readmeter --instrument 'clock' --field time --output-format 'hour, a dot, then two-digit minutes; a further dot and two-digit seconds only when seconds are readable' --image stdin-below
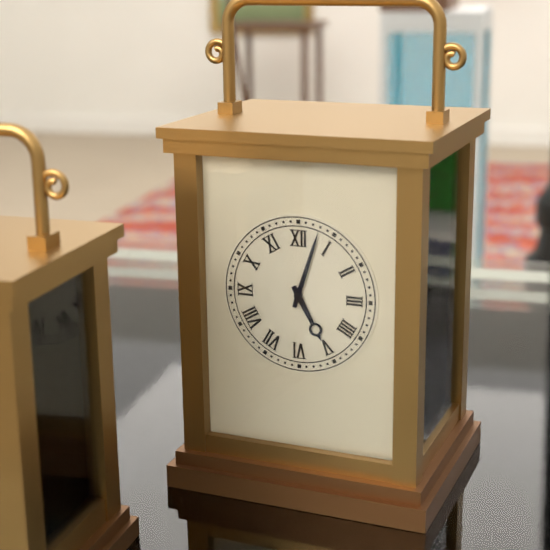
5.03
